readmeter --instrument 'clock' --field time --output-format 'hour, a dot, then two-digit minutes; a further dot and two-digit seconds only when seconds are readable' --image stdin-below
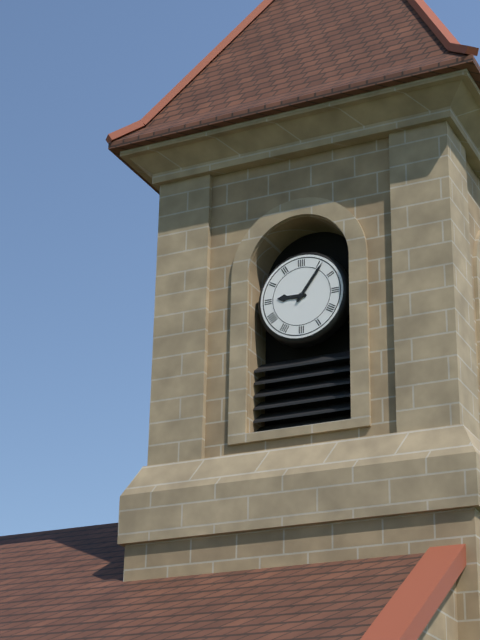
9.06
